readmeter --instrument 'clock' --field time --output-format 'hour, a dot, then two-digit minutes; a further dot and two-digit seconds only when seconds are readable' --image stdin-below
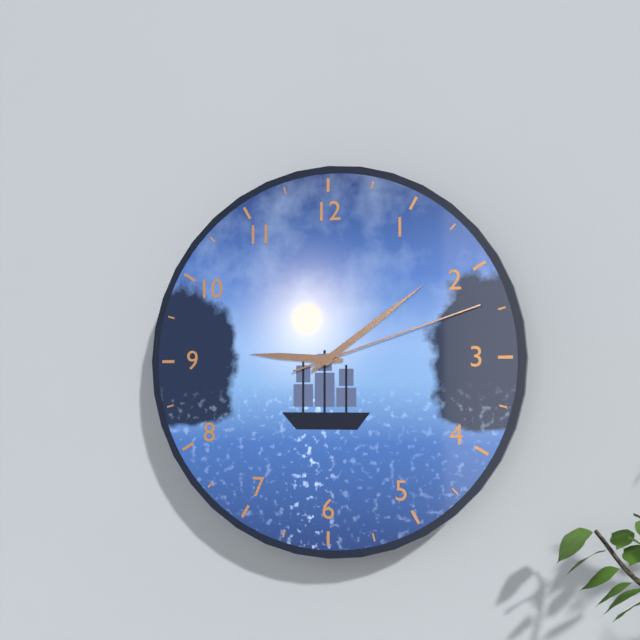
9.09.12
